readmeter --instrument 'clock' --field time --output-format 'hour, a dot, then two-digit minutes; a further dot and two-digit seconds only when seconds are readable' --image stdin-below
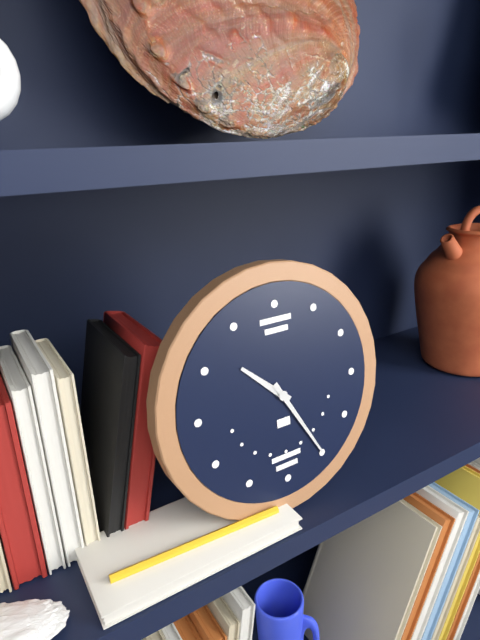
10.25
